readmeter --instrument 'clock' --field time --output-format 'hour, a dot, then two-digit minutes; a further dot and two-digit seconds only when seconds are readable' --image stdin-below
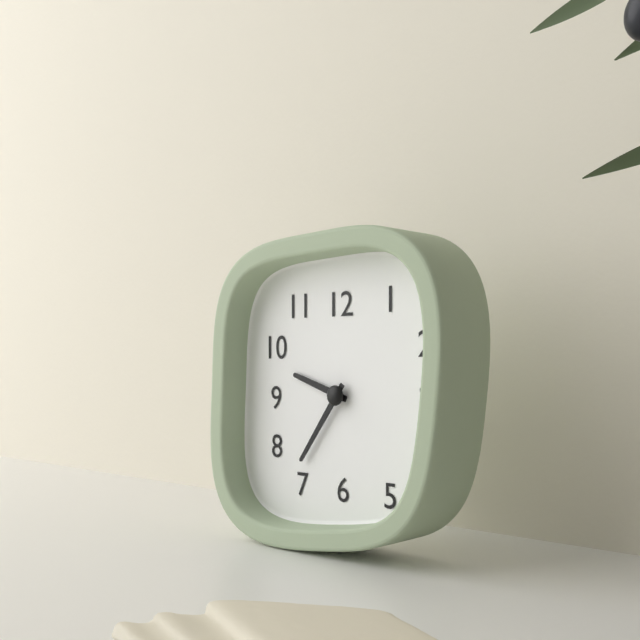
9.36
